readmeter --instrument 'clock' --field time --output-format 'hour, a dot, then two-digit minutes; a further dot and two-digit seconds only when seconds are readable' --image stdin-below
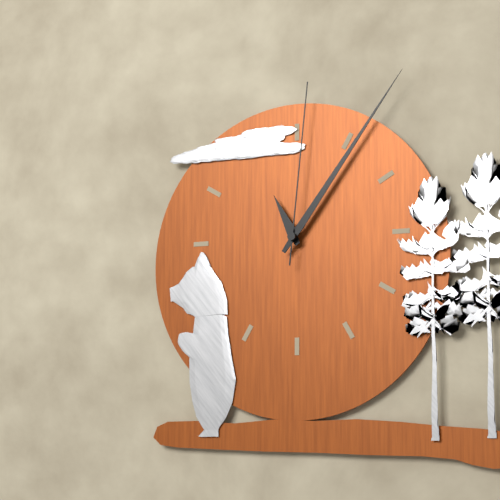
11.06.01
